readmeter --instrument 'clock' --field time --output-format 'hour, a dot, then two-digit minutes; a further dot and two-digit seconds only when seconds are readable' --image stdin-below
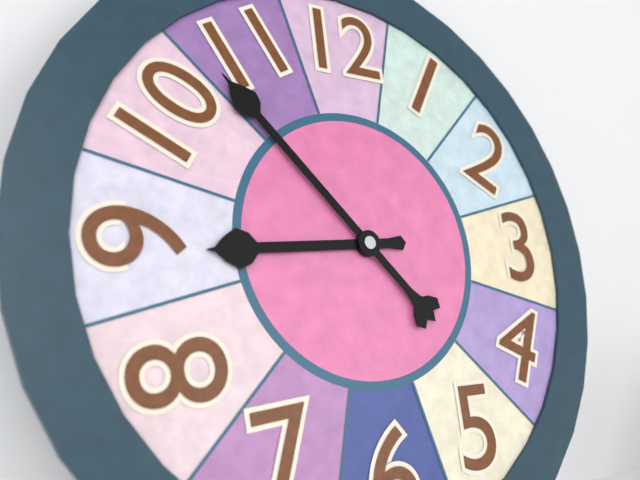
8.53
